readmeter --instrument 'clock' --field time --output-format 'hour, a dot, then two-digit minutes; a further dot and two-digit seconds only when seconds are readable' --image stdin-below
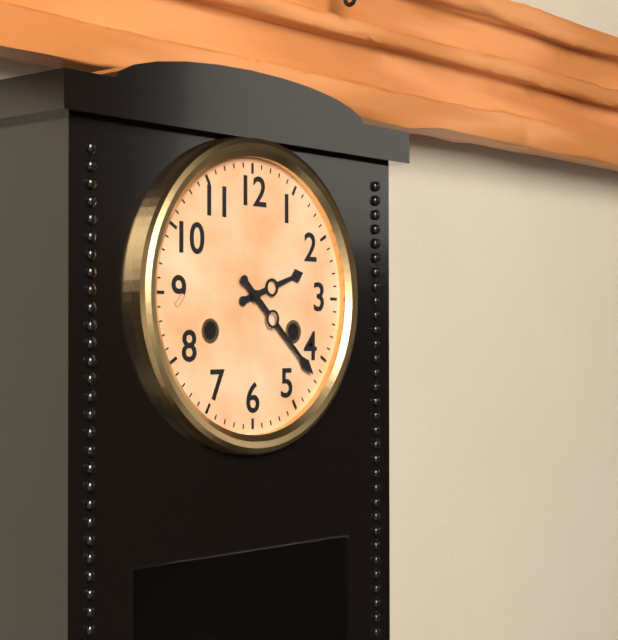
2.22
